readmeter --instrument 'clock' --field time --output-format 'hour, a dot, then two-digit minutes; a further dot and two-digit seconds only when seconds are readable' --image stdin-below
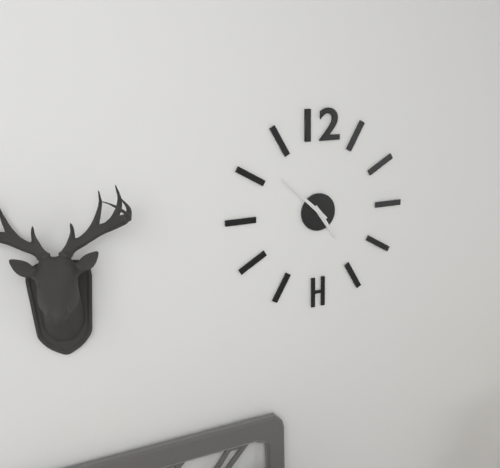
4.52
